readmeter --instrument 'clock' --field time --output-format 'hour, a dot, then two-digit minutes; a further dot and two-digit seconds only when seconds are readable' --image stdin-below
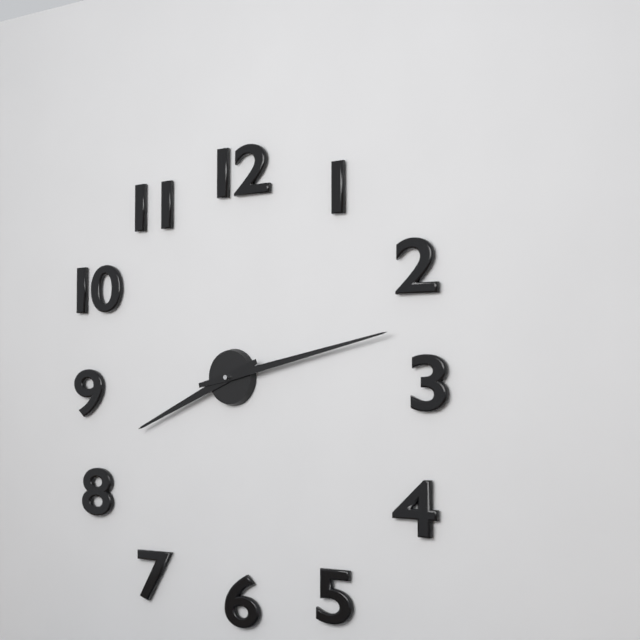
8.13
